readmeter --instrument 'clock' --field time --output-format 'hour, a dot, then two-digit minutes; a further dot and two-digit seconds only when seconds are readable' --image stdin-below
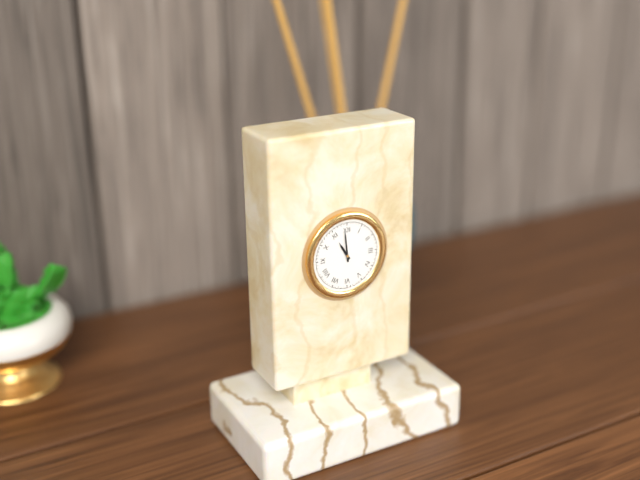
10.59
